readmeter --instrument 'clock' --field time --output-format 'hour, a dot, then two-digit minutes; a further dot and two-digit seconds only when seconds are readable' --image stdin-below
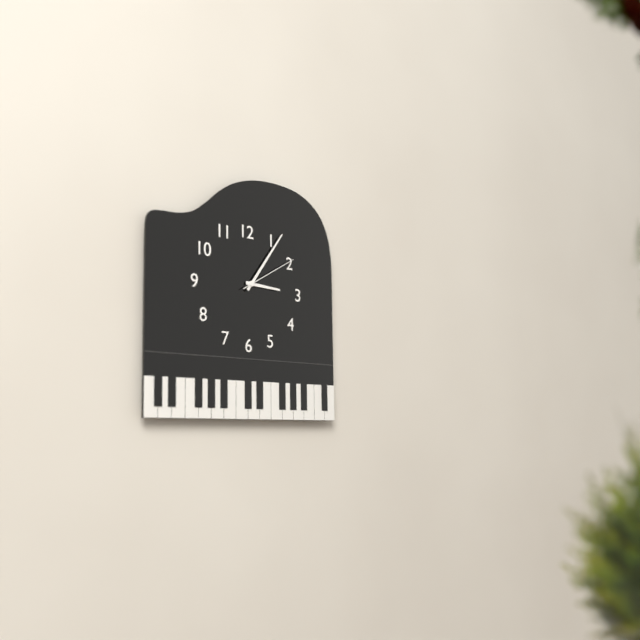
3.06.10
